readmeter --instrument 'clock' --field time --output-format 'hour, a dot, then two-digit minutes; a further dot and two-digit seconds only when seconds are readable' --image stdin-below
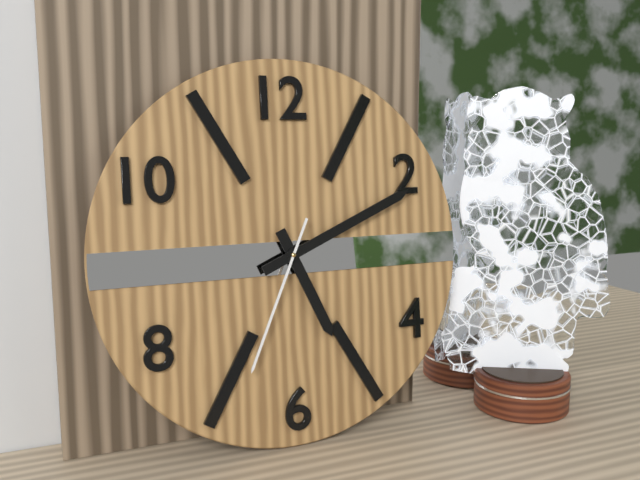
5.11.34
